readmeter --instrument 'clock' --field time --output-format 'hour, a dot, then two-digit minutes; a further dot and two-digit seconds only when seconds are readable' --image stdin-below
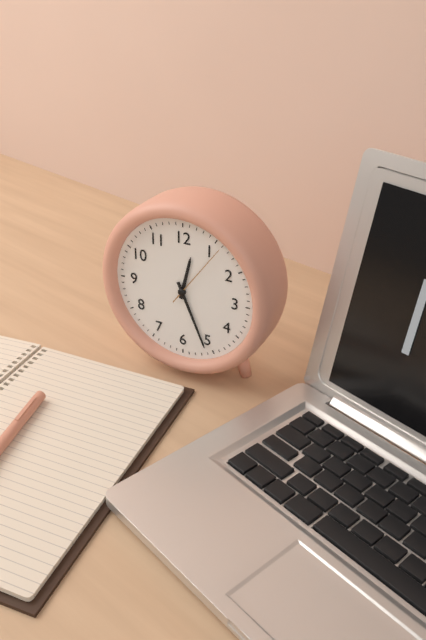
12.26.06
